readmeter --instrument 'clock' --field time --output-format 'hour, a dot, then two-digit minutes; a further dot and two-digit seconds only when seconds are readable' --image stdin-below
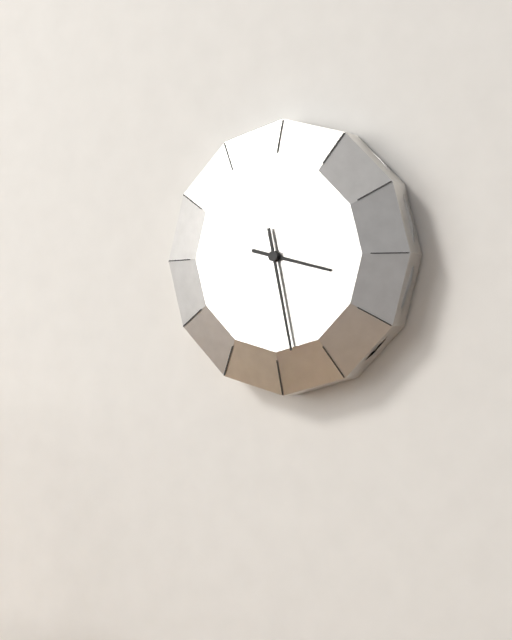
3.28
